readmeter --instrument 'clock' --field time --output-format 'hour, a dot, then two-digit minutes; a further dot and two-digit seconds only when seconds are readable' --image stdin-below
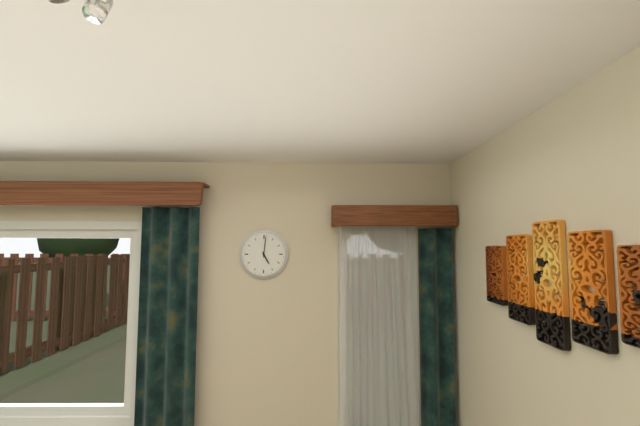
5.01
